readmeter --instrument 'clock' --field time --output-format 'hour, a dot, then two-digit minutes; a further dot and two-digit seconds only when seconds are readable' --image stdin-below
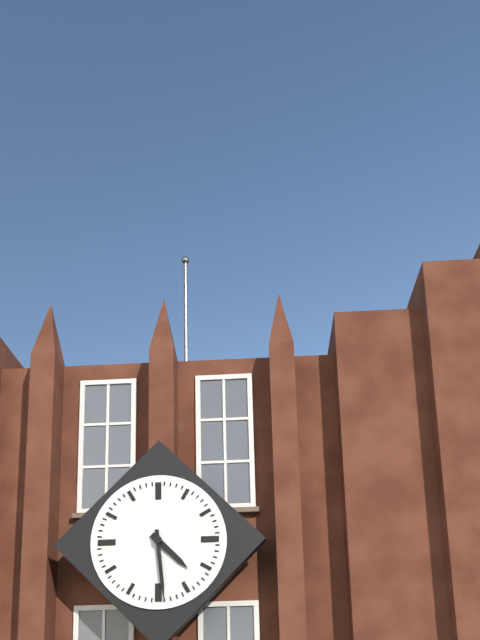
4.29
